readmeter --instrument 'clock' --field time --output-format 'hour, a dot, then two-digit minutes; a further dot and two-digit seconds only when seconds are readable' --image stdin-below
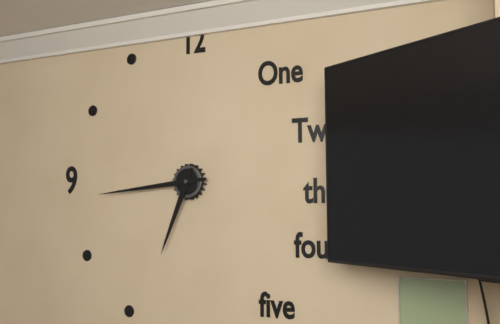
6.44
